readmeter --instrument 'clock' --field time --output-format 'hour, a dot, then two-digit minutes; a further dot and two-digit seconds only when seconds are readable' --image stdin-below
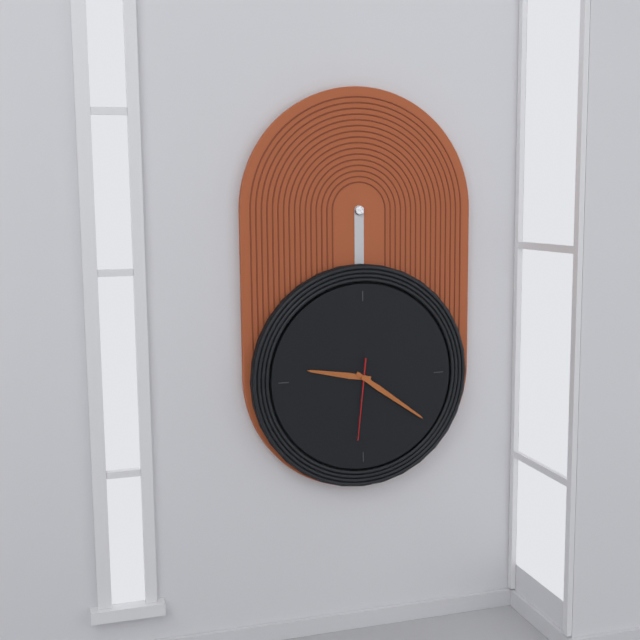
9.21.31
